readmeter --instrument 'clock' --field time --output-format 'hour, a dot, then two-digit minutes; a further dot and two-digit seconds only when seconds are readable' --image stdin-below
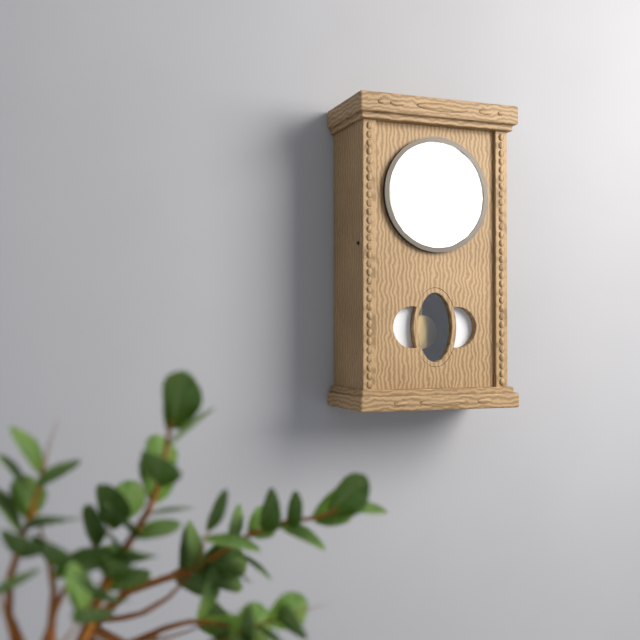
11.57
